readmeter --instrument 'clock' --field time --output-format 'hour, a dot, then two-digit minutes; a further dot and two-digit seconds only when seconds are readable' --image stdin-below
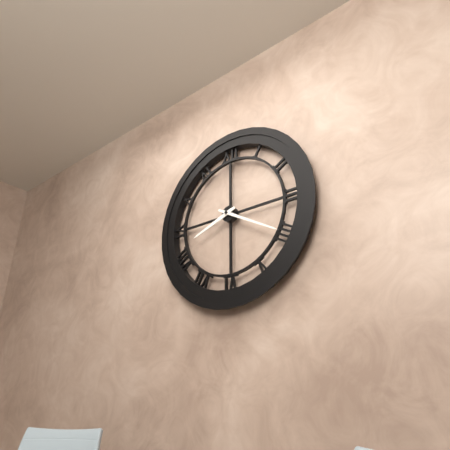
8.20
